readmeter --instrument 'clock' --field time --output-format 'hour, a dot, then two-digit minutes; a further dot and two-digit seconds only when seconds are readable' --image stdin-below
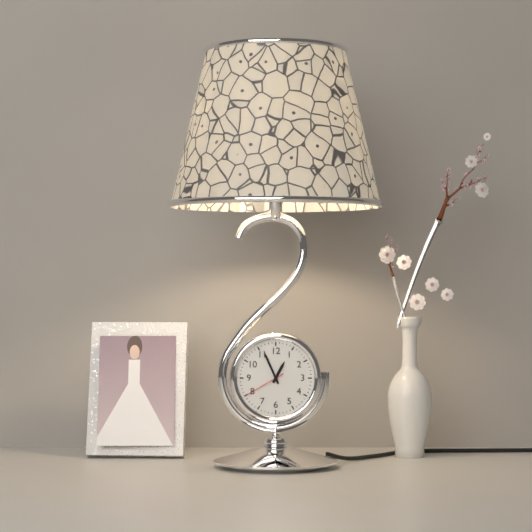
12.56
